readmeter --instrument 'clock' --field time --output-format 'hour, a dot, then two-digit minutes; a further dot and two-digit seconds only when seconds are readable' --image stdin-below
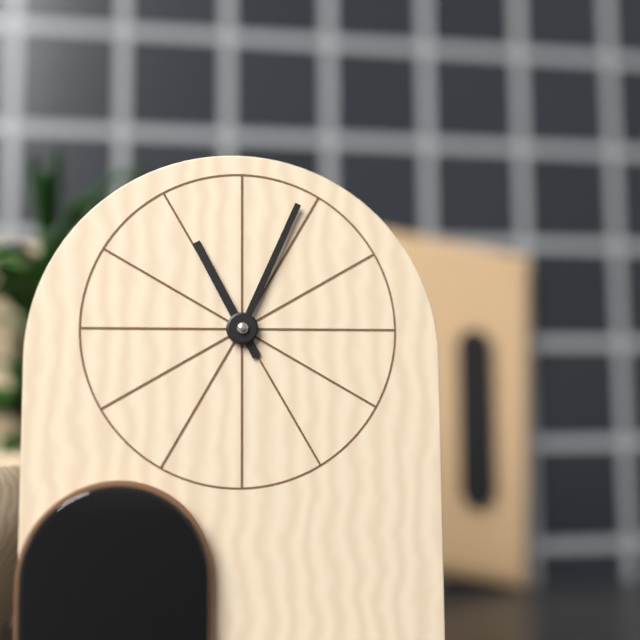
11.04
